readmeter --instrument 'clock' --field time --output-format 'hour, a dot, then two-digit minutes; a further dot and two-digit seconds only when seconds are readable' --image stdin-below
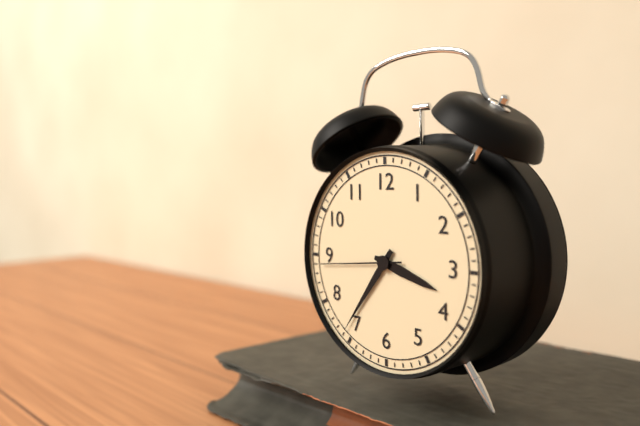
3.36.44
